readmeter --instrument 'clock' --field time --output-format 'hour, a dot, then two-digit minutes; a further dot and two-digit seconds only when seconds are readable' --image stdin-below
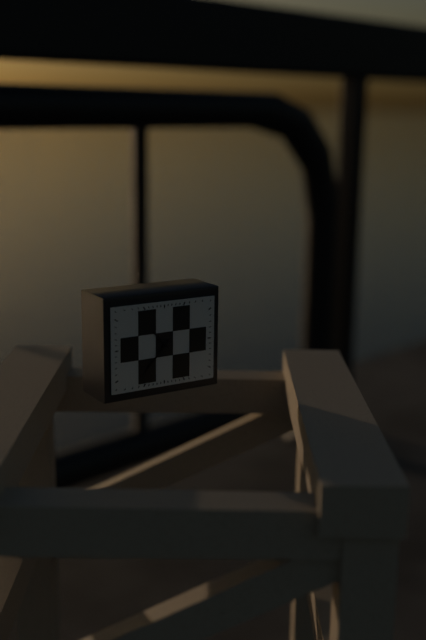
10.37
